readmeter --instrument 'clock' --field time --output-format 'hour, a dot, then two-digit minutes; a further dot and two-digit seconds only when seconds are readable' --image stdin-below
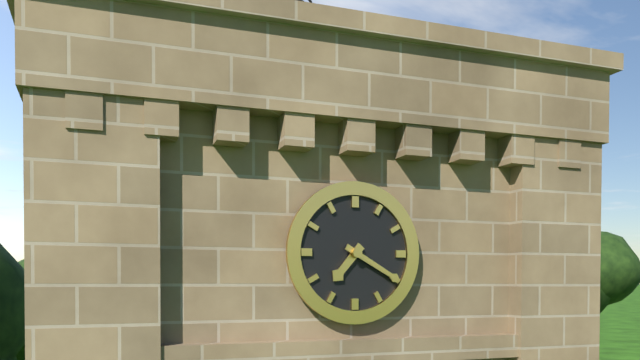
7.20
